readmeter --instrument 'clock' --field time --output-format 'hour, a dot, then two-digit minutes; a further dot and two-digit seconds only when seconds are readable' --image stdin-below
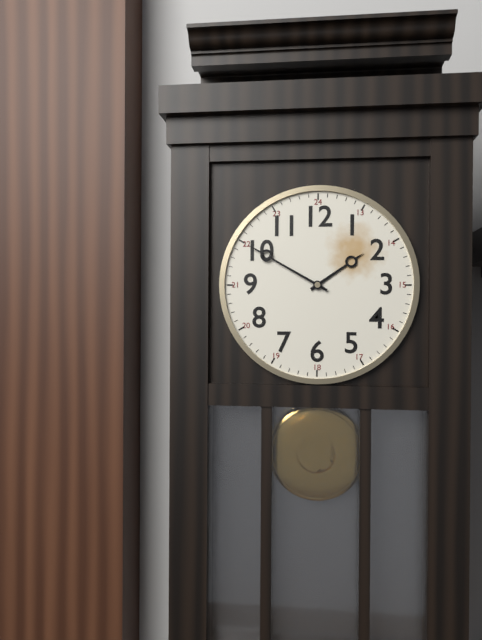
1.50
